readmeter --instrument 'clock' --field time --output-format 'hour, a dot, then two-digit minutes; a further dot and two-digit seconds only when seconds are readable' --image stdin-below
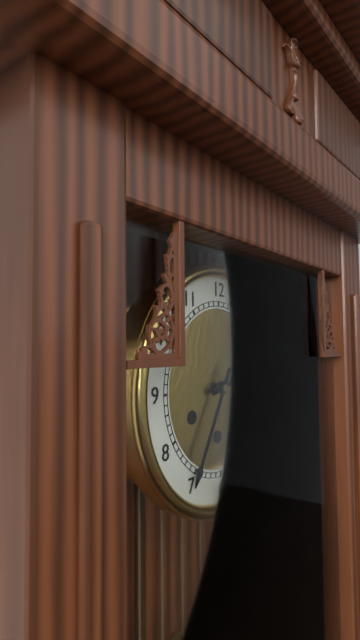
2.35
